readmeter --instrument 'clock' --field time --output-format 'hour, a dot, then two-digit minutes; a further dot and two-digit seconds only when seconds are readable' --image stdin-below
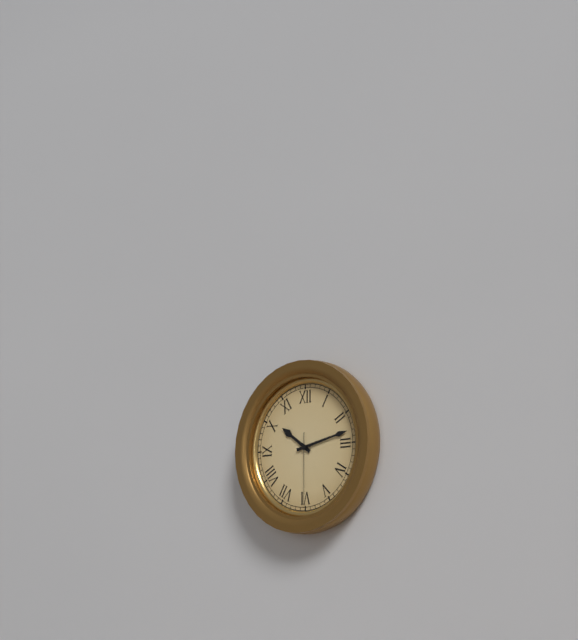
10.13.30
